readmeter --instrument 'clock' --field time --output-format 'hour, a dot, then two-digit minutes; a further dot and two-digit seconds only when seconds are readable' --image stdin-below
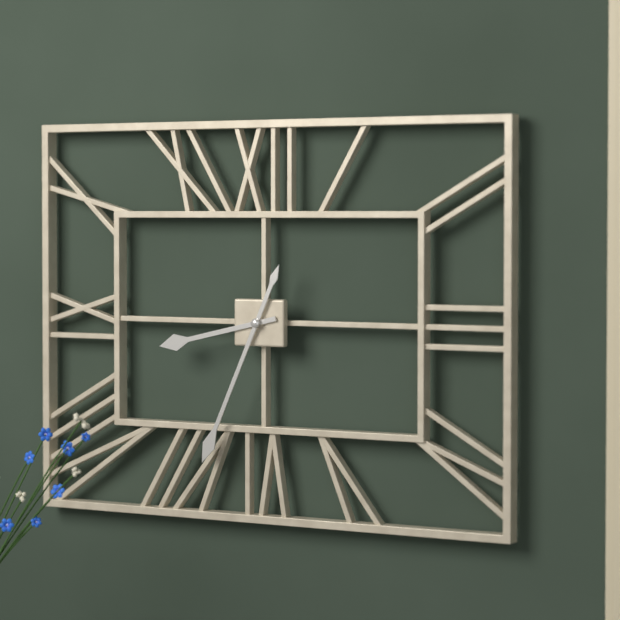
8.34
